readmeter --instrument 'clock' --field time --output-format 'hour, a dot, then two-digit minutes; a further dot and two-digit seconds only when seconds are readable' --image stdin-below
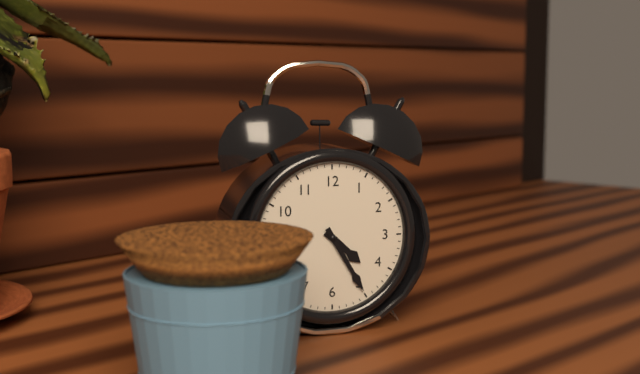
4.25
